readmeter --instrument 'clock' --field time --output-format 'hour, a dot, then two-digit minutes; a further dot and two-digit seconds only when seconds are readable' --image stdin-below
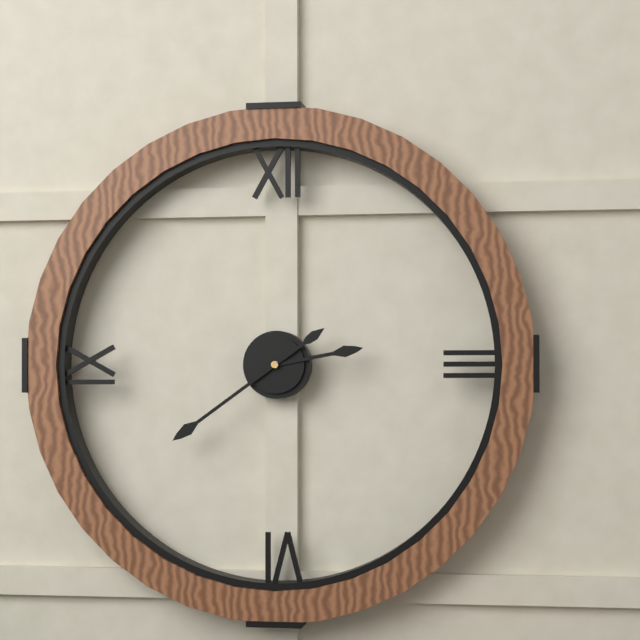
2.39
